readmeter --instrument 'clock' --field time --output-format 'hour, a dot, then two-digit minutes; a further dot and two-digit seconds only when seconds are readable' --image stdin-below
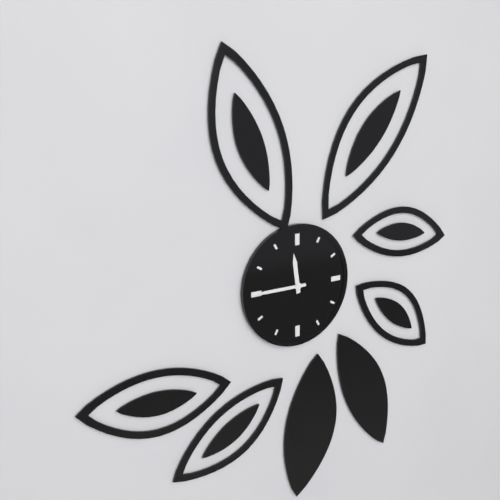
11.45
